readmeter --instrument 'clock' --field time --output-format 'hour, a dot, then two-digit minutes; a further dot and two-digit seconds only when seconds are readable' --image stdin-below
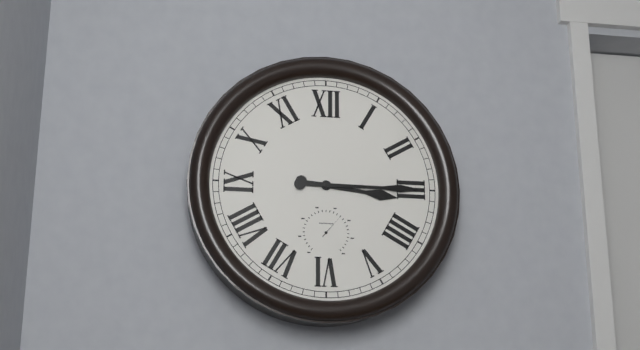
3.15
